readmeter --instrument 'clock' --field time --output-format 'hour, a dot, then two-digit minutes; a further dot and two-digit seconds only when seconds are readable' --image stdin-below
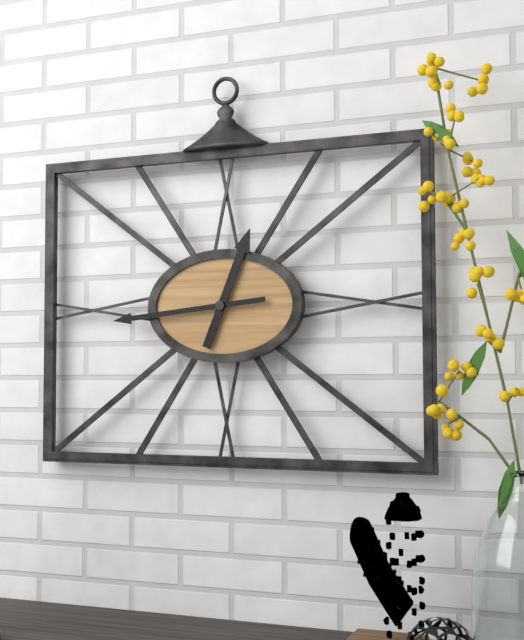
12.44
